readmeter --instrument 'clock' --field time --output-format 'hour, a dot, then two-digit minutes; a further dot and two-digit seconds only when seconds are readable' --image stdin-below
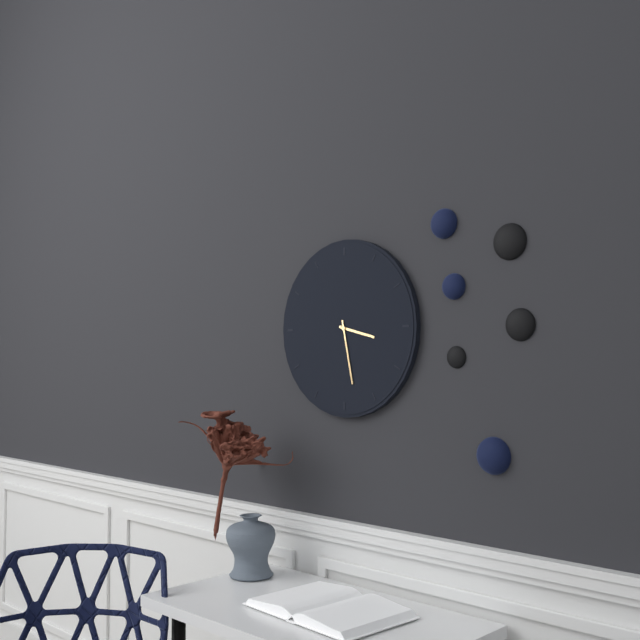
3.28
